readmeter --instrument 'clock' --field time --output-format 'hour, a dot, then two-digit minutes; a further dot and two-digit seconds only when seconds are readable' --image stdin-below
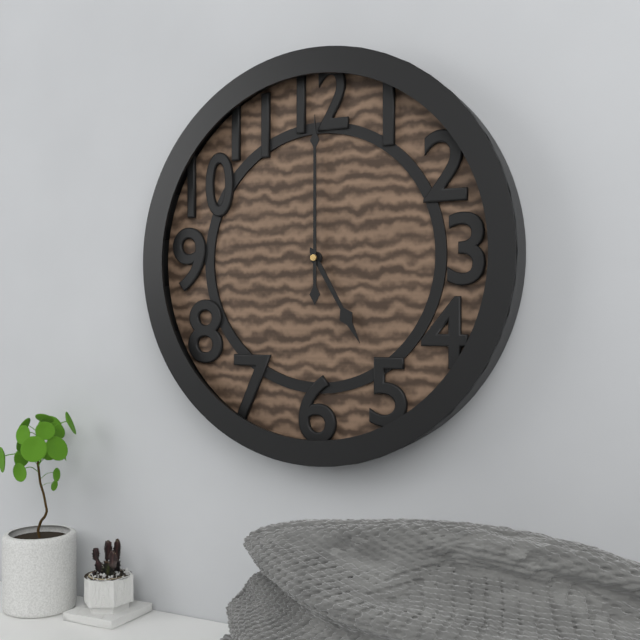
5.00
